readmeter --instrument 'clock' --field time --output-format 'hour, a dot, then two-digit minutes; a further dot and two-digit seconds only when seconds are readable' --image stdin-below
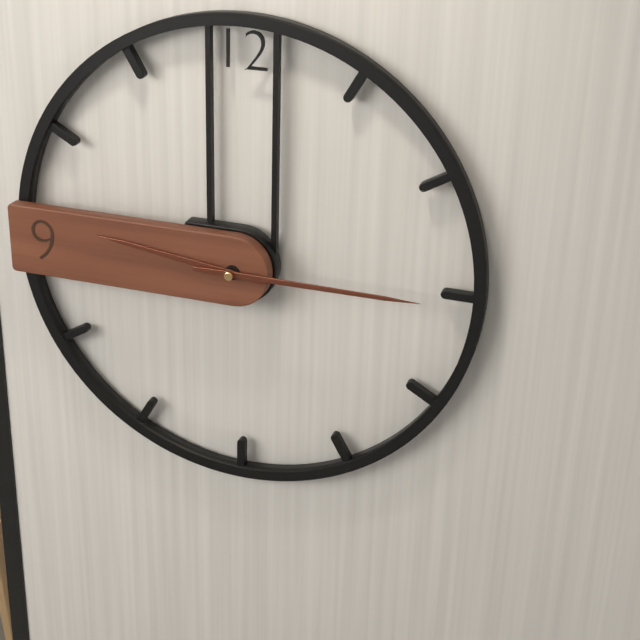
9.15
